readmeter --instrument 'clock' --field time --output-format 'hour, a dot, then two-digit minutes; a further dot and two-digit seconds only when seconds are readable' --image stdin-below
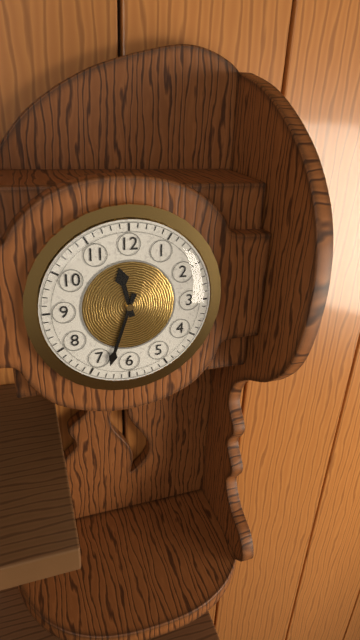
11.33
